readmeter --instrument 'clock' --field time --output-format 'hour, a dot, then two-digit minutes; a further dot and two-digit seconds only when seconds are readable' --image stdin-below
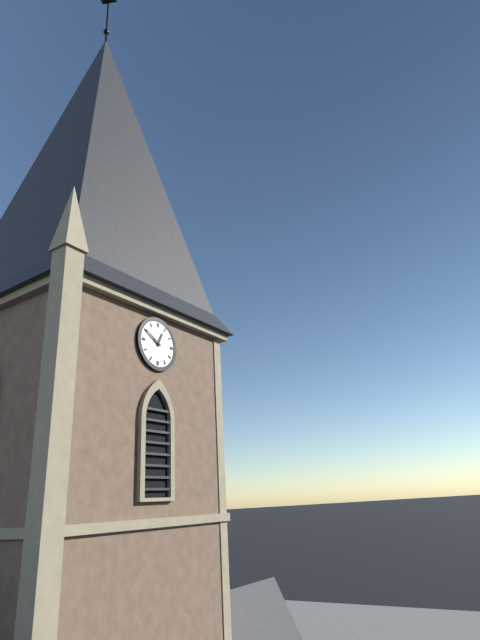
12.50
